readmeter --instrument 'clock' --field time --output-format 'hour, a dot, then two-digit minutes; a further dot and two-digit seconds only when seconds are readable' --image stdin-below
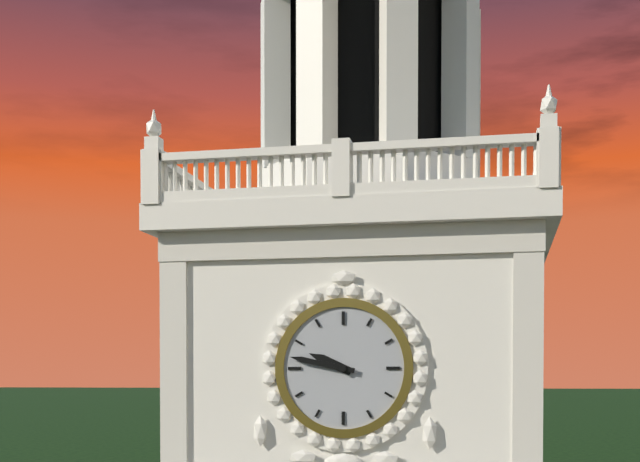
9.47
